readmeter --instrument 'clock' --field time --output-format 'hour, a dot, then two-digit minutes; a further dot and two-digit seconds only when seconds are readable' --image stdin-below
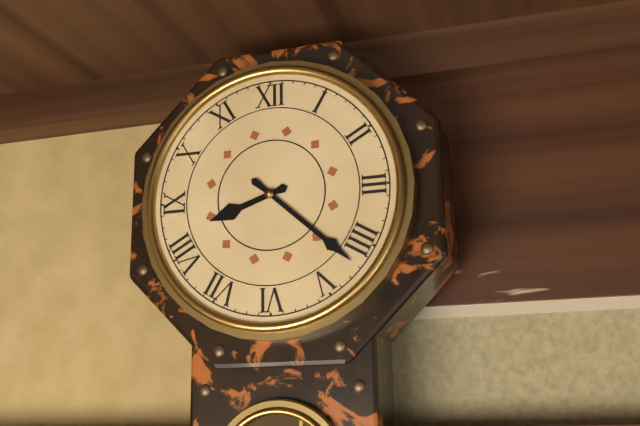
8.22
